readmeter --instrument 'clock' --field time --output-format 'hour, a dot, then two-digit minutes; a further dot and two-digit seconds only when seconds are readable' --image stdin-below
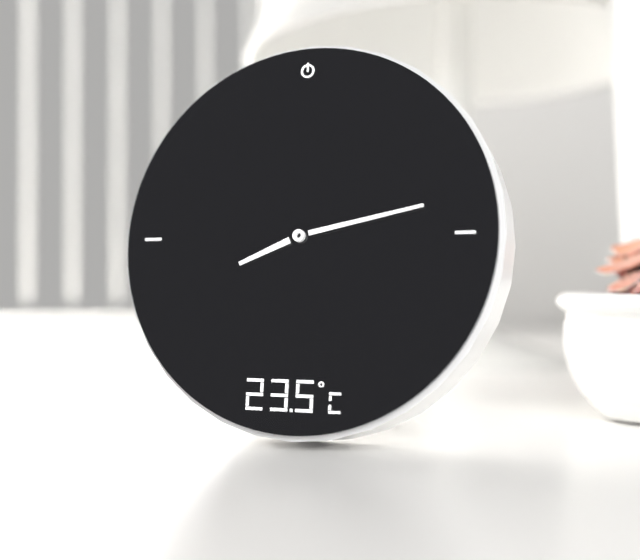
8.13
